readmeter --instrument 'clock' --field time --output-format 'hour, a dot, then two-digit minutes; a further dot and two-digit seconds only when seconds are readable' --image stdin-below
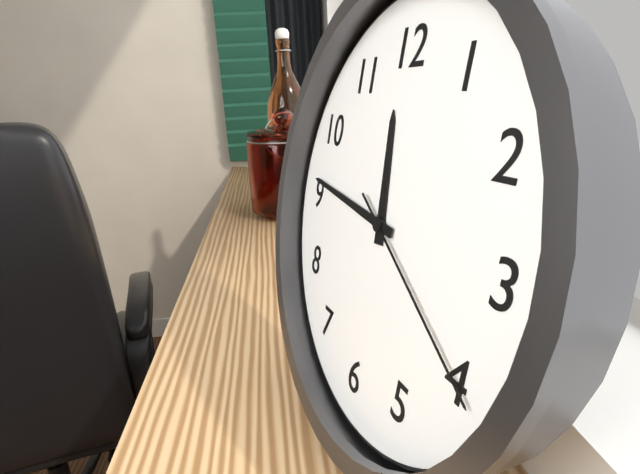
11.46.20
